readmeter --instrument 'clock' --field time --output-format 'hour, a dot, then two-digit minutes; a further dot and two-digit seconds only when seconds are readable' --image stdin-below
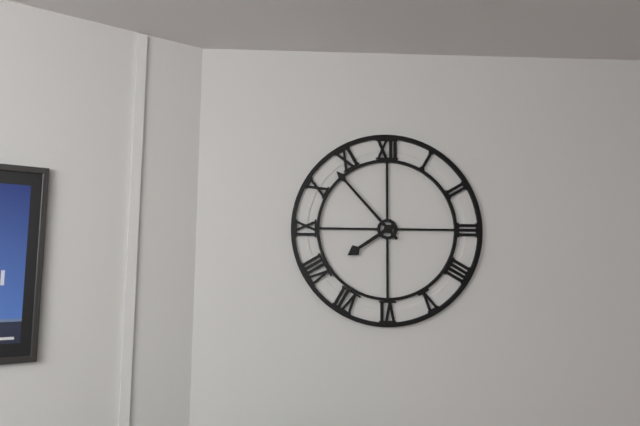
7.53
